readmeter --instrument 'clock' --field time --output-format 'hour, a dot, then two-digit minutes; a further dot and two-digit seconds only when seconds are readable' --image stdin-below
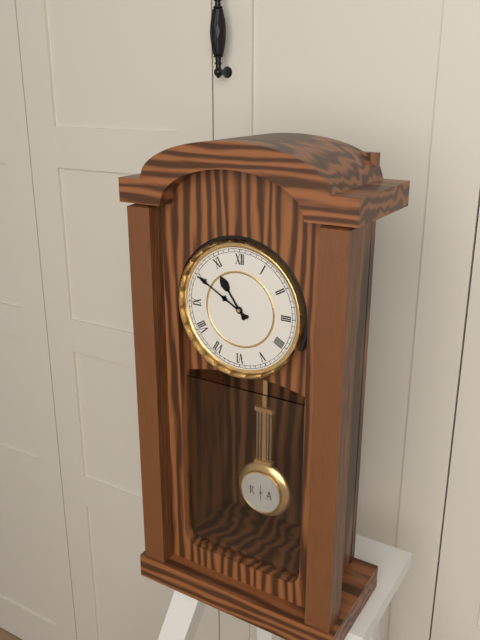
10.50
